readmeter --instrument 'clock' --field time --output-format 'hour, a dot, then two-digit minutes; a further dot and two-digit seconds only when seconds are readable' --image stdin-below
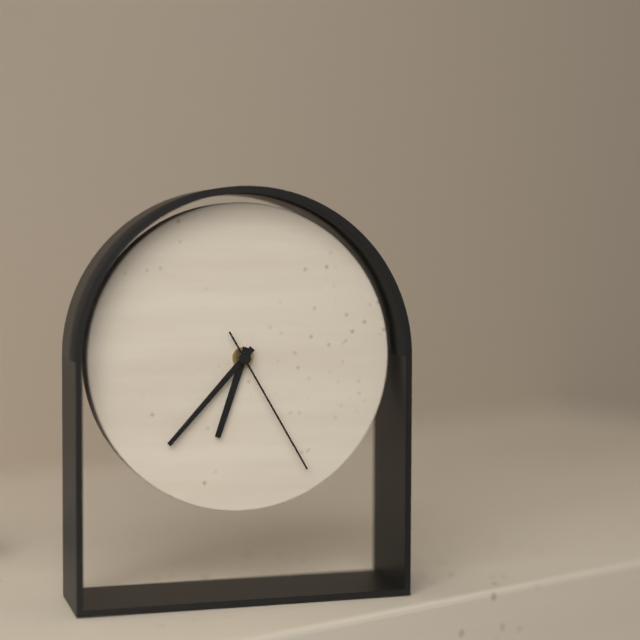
6.37.25
